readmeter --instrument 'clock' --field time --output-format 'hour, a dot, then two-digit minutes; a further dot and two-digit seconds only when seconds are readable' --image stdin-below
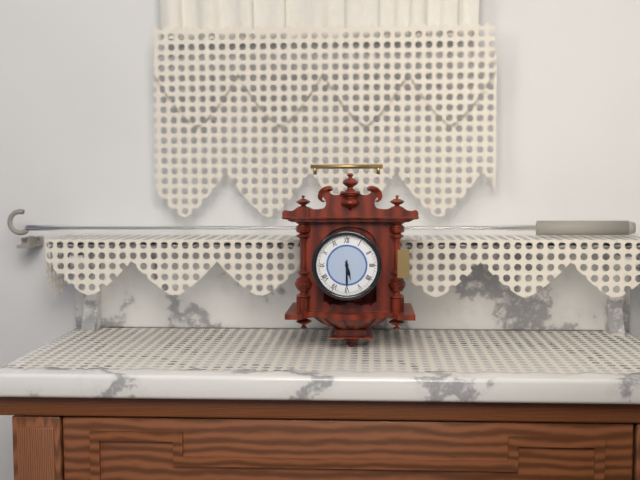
5.30
